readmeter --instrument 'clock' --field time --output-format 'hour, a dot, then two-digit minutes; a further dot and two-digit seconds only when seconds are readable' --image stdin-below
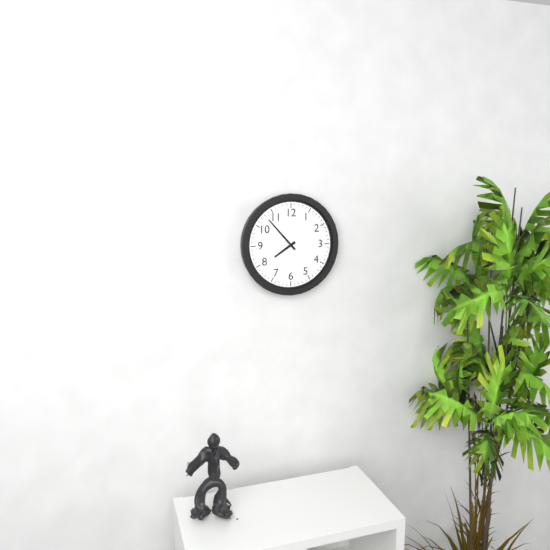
7.53
